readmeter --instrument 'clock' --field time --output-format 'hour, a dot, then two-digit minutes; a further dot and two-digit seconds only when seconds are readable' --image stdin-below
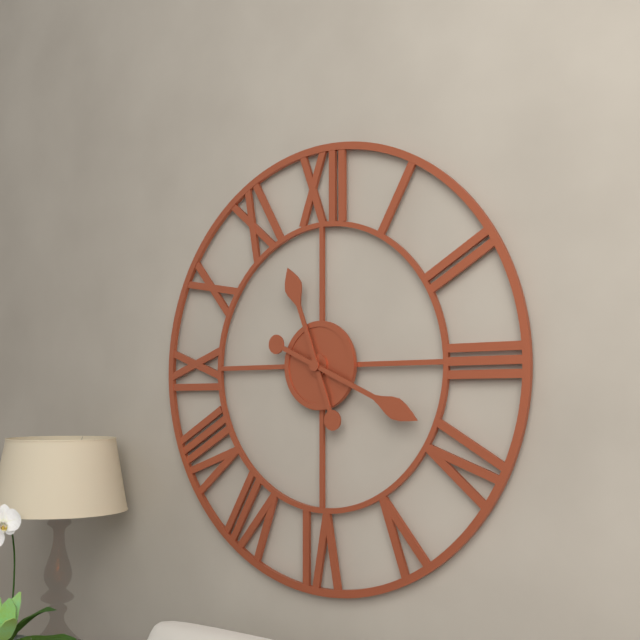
11.19
